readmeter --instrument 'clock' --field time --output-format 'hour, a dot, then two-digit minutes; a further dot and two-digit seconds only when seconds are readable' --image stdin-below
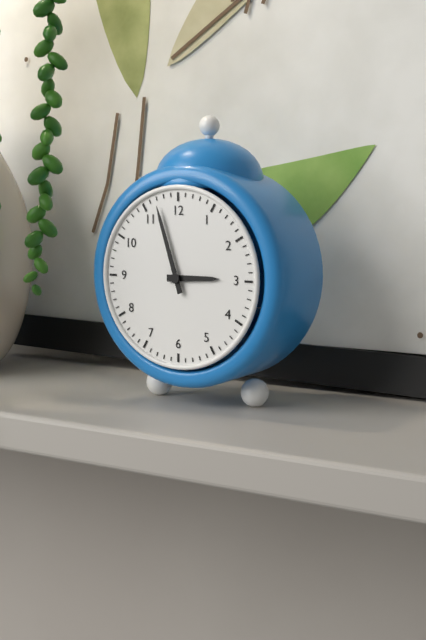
2.57
